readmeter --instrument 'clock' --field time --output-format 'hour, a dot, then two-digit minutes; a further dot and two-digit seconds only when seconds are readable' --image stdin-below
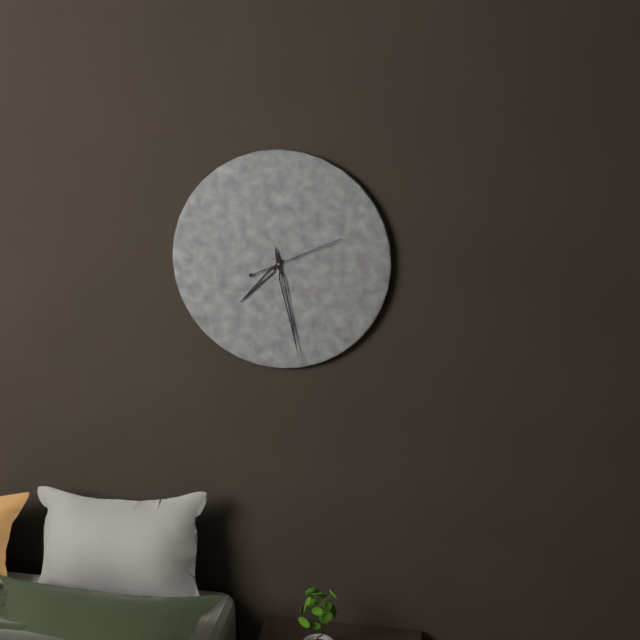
7.28.11
